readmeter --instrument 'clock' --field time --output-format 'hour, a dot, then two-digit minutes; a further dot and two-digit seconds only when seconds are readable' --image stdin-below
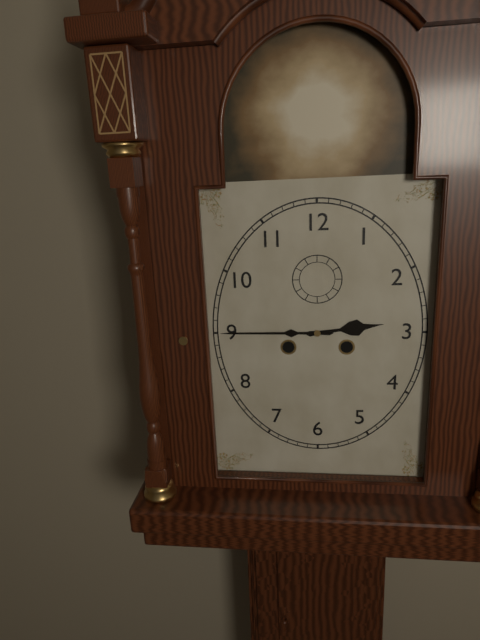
2.45
